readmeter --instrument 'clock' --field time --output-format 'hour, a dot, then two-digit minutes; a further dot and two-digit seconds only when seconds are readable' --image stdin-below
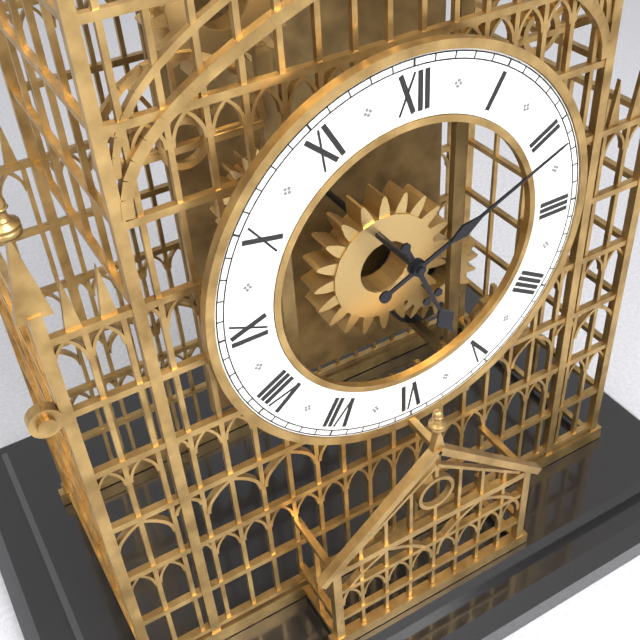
5.11
